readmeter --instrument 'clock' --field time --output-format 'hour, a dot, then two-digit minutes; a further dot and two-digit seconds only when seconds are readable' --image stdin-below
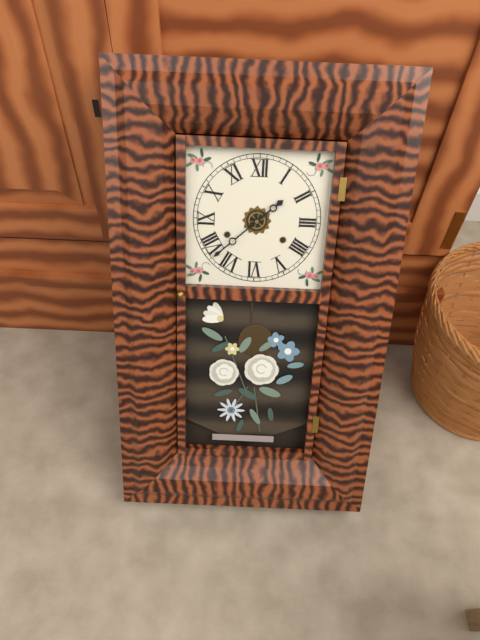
1.38
